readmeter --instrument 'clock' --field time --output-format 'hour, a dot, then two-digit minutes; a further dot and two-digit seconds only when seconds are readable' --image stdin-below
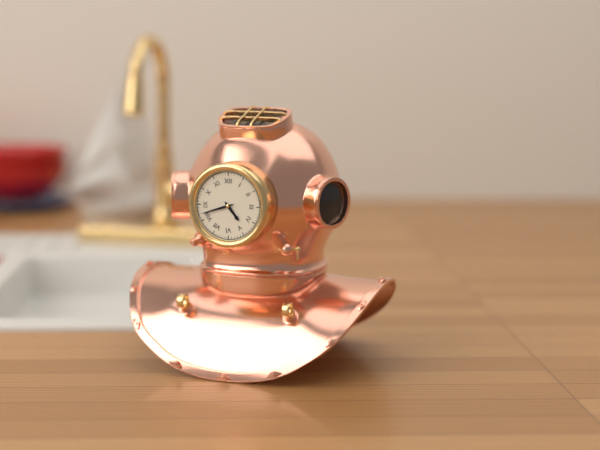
4.42
